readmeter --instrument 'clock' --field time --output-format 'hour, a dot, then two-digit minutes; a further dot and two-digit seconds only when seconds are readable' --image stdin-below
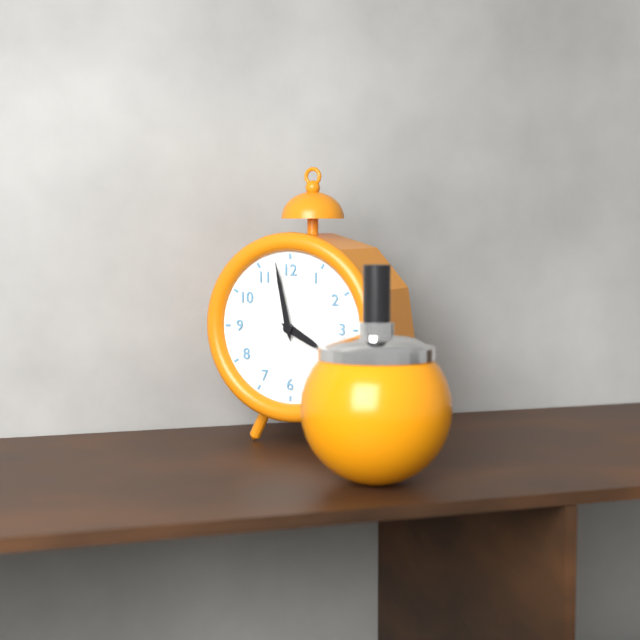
3.58
